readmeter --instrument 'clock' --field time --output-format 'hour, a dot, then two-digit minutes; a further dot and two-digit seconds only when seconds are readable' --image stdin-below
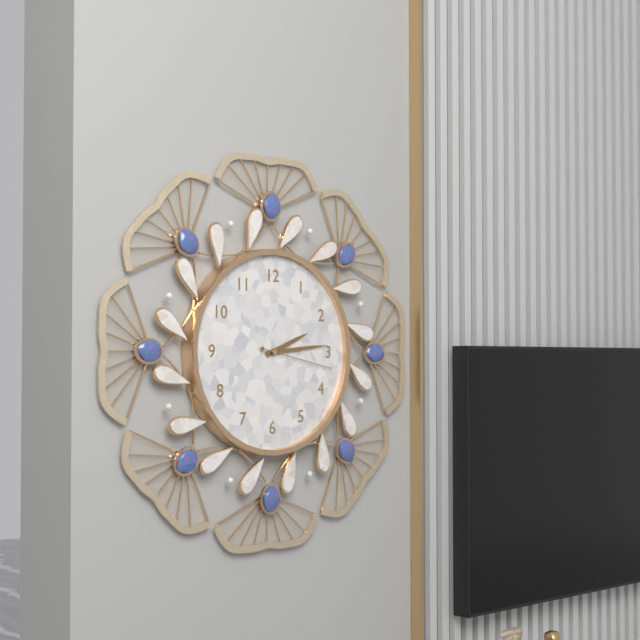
2.14.17
